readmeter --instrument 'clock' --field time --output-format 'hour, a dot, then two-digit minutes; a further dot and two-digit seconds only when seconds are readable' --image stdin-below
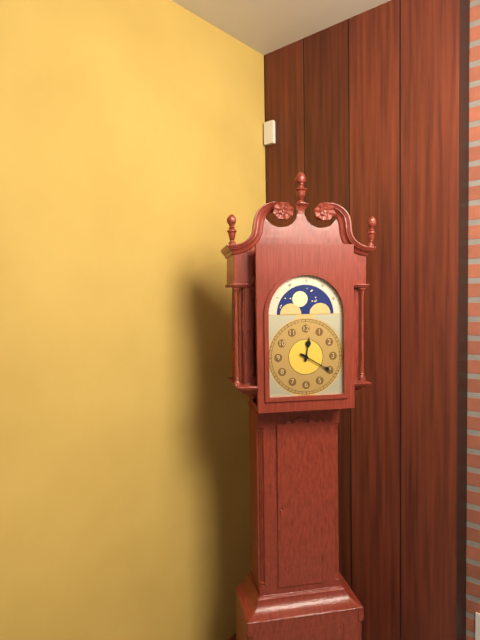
12.20
